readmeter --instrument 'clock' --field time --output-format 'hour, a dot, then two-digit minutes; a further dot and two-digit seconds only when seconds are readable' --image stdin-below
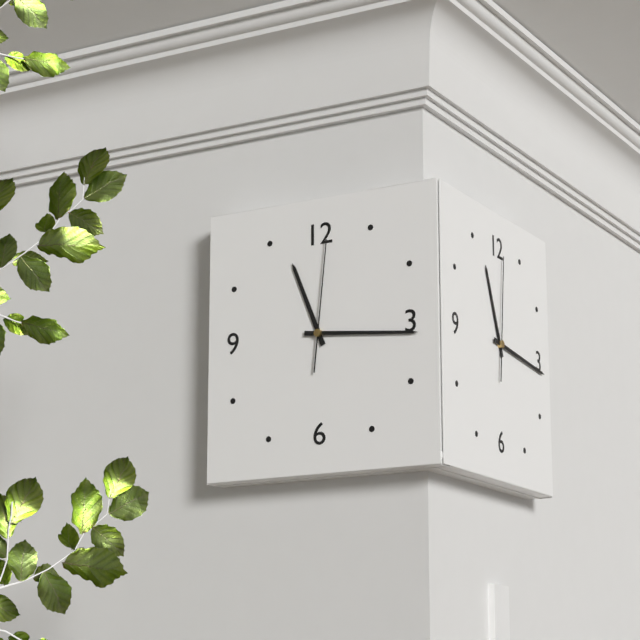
11.16.01
